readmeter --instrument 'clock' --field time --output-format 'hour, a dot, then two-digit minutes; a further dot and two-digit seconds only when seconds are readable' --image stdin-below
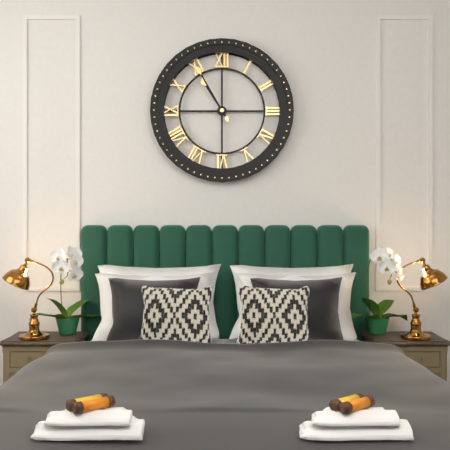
10.55
